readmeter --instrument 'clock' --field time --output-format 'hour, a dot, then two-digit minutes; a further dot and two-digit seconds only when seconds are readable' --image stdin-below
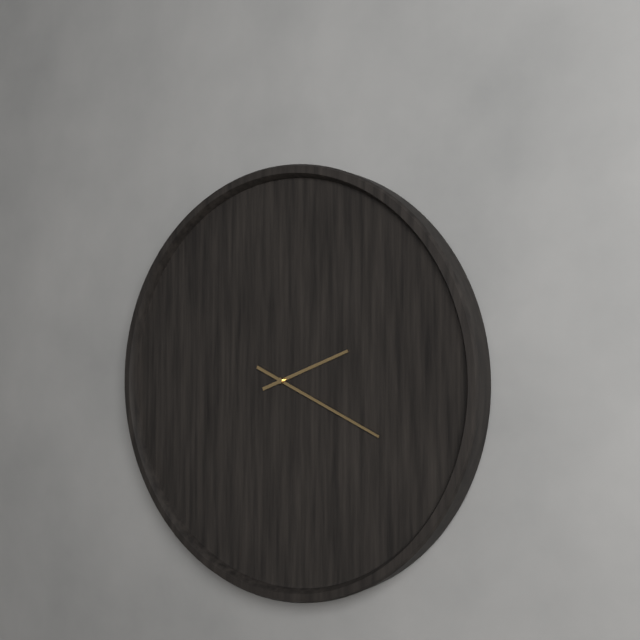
2.19
